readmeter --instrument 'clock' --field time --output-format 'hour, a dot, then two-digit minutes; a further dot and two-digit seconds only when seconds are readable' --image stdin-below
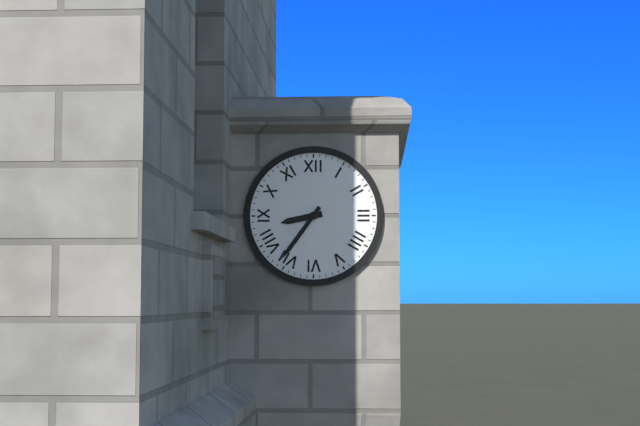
8.36
